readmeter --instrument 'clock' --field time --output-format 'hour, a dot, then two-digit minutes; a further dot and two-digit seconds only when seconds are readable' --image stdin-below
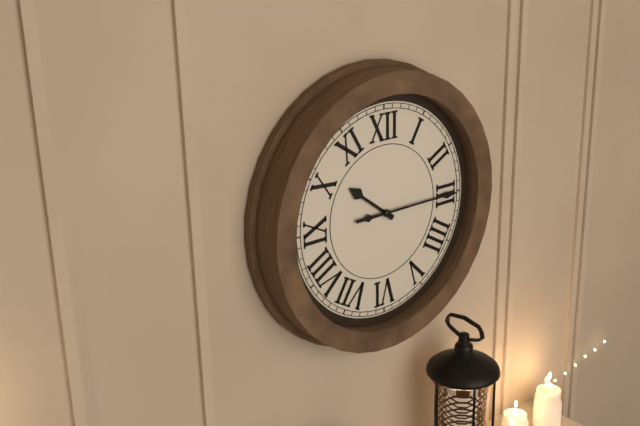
10.15
